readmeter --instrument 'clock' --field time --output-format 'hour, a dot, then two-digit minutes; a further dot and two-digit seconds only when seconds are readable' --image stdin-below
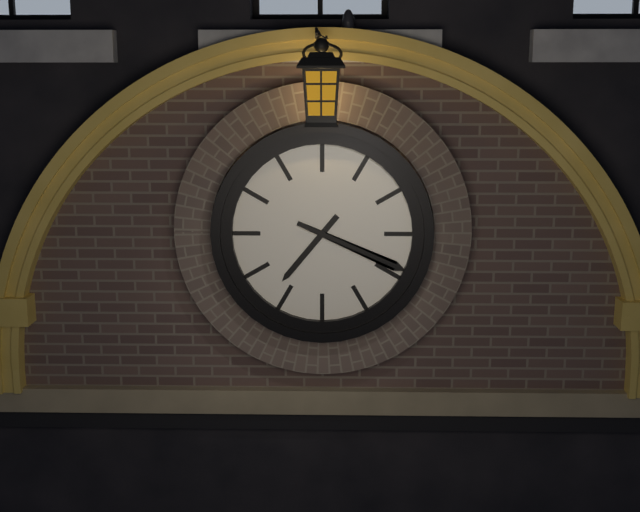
7.19
